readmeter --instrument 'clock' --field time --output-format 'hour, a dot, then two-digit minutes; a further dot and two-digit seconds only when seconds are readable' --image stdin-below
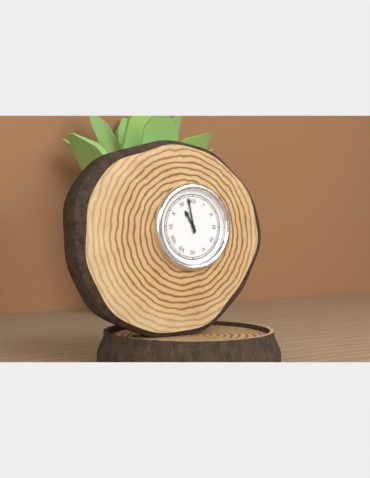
10.58
